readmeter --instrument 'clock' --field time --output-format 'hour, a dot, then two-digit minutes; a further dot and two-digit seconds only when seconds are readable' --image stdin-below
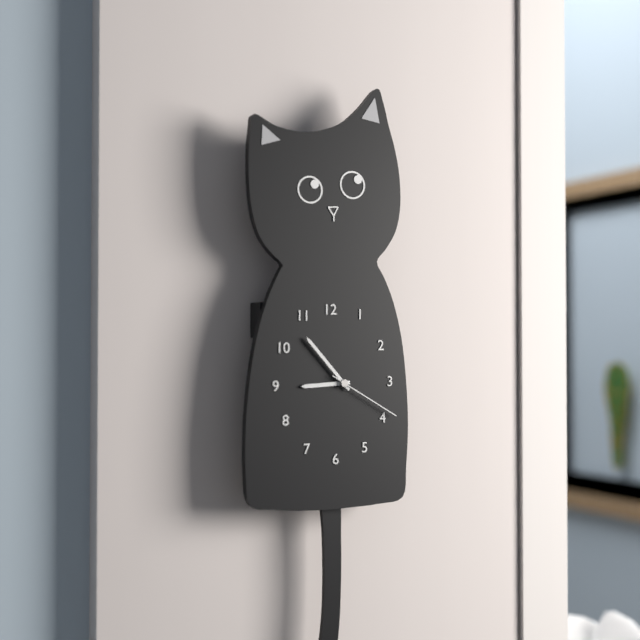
8.53.20
